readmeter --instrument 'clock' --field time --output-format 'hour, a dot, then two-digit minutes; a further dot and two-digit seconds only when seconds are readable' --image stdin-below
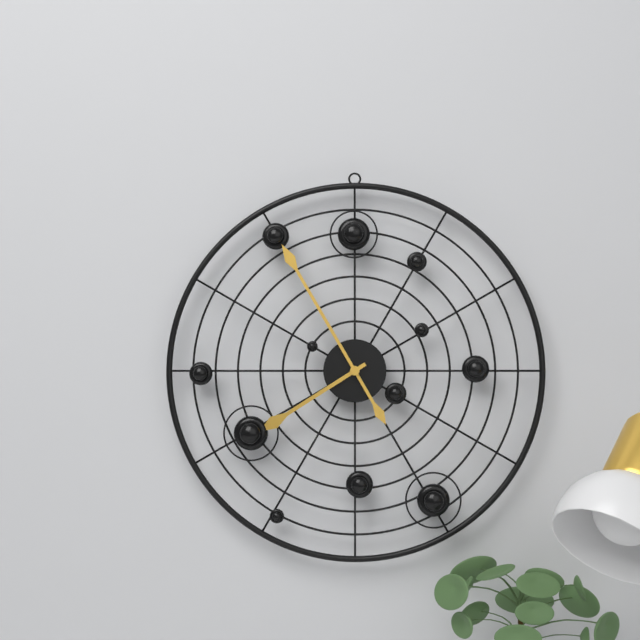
7.55
